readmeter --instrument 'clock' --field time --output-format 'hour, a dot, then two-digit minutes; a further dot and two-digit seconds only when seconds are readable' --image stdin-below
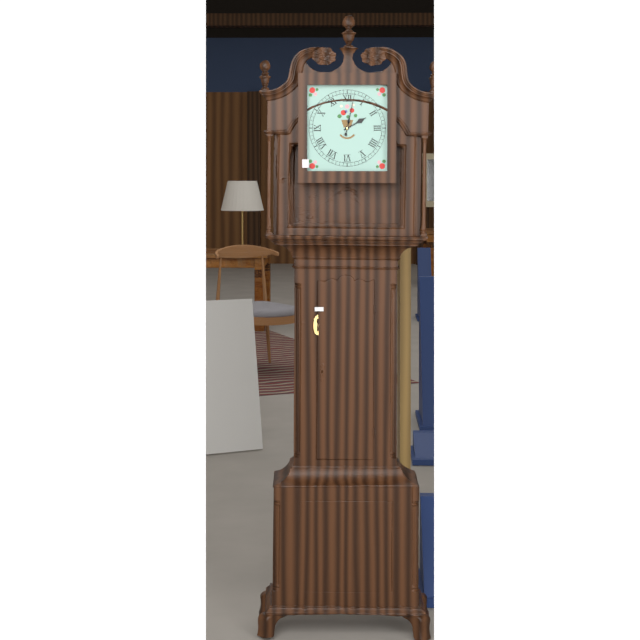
2.02
